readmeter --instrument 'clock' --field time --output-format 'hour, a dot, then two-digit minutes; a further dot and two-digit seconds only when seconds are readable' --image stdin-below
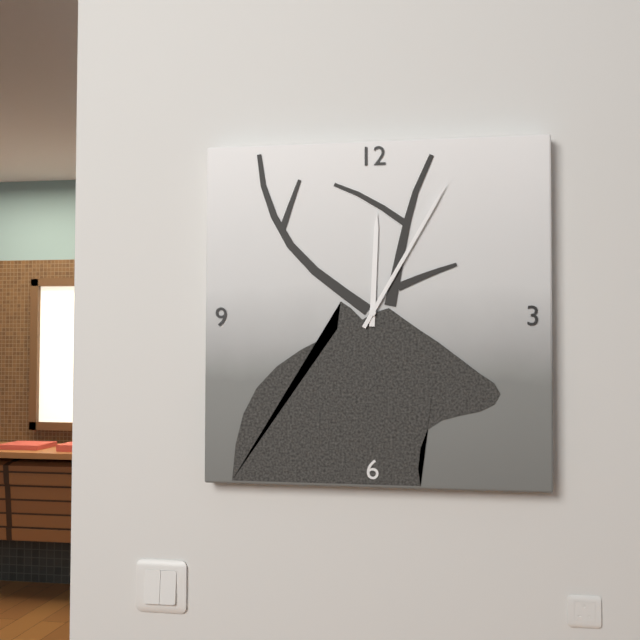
12.05
